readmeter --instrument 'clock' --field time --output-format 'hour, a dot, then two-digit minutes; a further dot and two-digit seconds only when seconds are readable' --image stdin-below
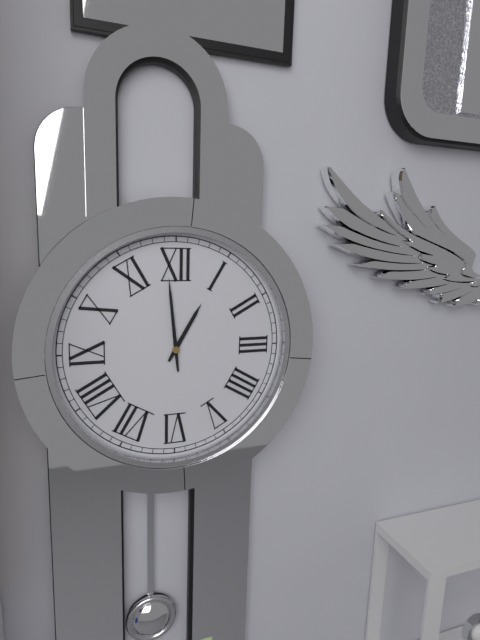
12.59
